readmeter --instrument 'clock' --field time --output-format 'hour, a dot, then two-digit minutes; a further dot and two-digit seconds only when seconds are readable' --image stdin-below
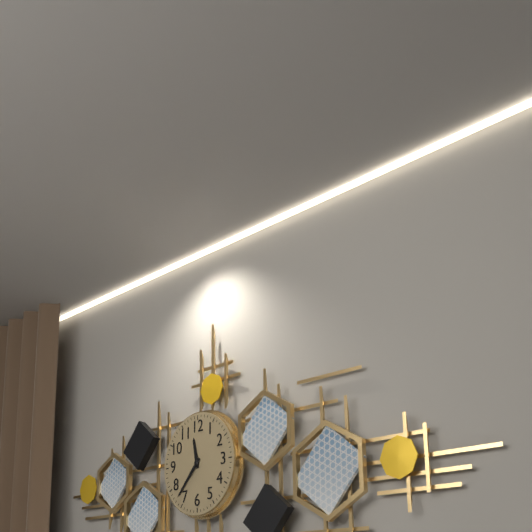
11.37
